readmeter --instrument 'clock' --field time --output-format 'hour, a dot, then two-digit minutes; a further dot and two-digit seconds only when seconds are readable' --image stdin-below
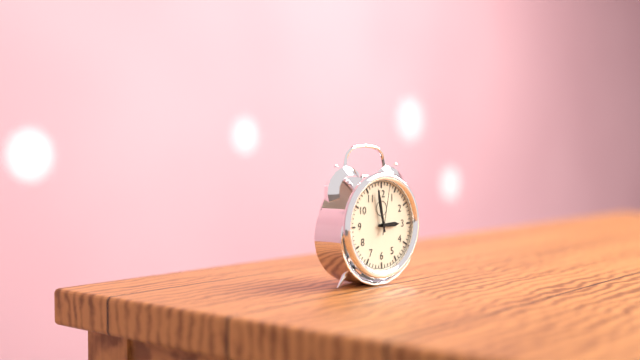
2.58
